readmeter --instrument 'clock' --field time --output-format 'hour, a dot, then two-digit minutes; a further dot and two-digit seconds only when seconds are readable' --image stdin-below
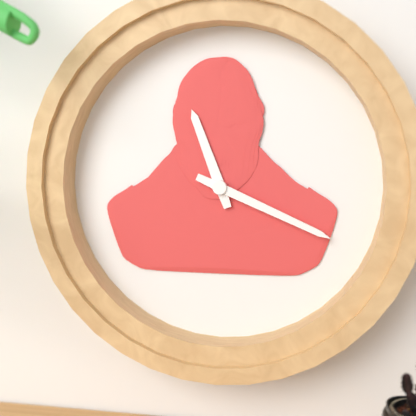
11.19
